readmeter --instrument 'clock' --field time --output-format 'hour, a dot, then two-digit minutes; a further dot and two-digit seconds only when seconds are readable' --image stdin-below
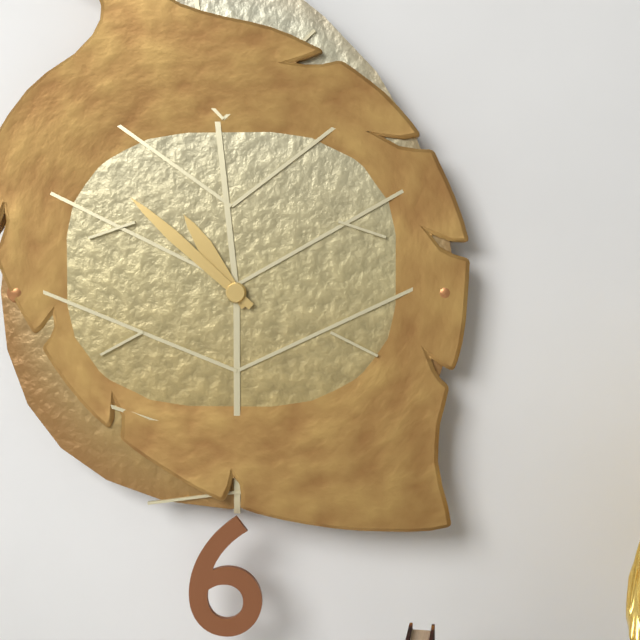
10.52
